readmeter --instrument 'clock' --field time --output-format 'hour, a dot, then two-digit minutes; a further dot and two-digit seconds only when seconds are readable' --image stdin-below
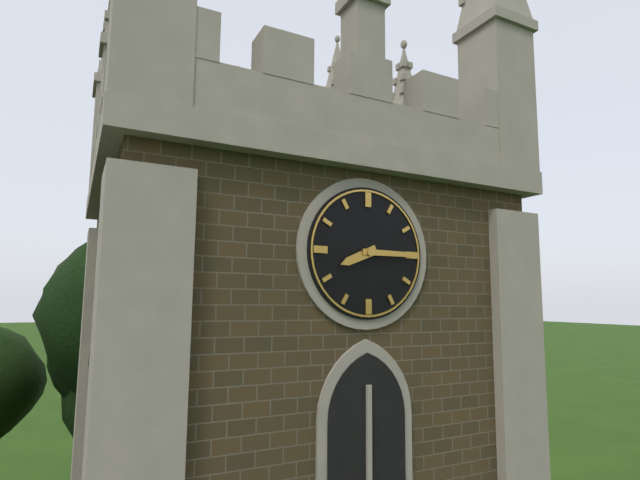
8.15
